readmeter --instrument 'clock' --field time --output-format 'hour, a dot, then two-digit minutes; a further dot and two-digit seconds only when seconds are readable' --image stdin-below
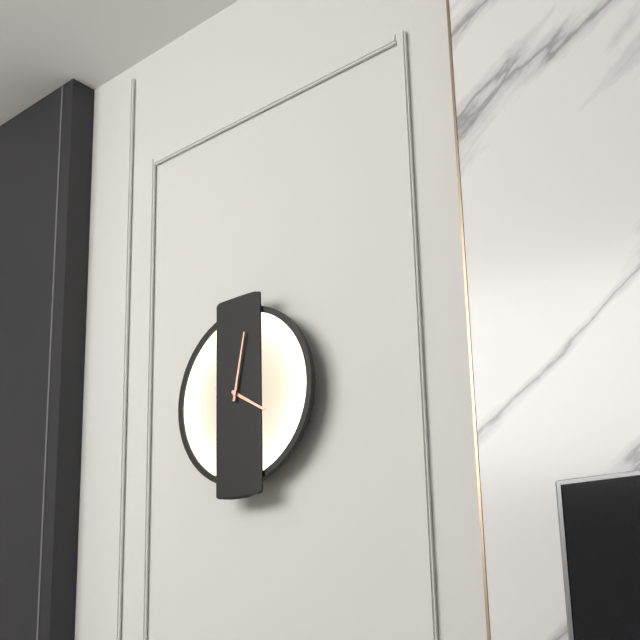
4.02
